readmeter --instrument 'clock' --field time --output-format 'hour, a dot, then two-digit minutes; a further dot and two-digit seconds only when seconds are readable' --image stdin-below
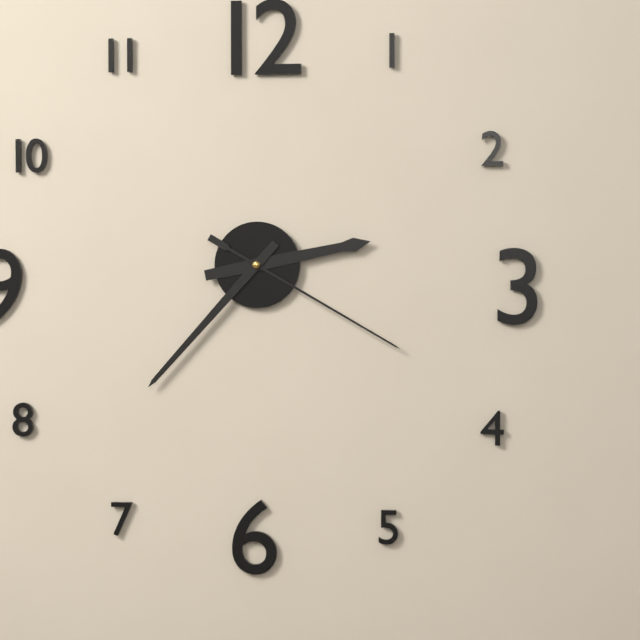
2.37.20
